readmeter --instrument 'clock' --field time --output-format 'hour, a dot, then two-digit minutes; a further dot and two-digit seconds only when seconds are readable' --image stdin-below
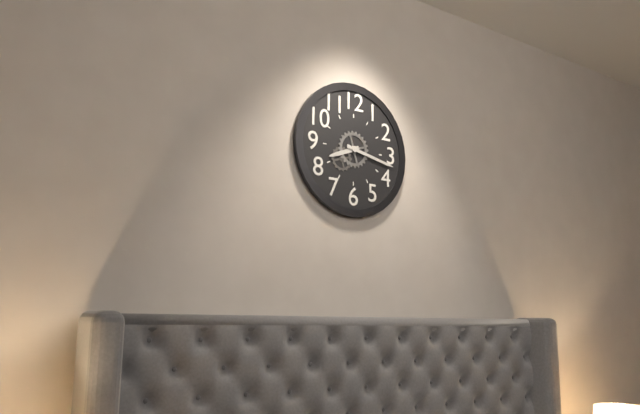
8.17
